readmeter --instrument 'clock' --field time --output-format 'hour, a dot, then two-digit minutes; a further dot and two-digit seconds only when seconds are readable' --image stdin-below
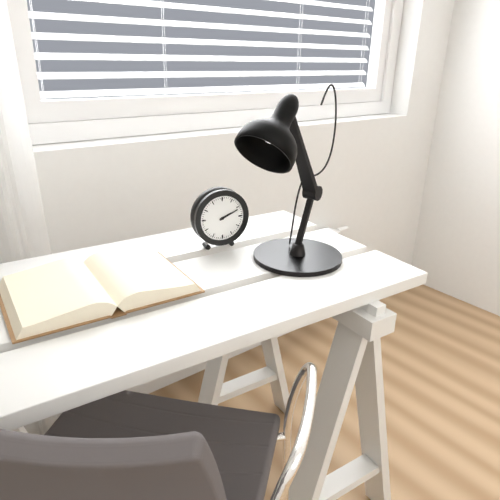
2.11
